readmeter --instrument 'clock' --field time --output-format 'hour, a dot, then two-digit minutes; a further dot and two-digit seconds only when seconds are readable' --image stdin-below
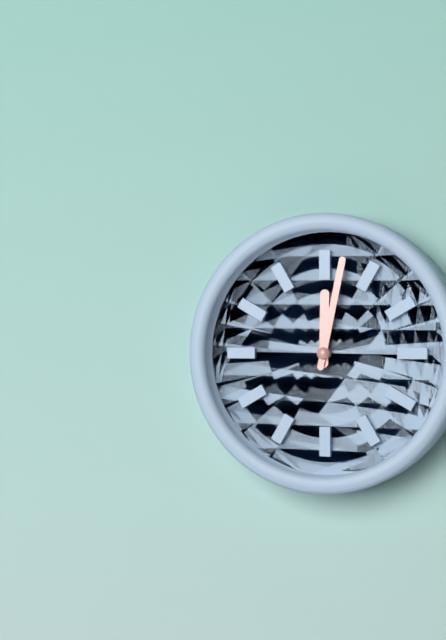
12.02
